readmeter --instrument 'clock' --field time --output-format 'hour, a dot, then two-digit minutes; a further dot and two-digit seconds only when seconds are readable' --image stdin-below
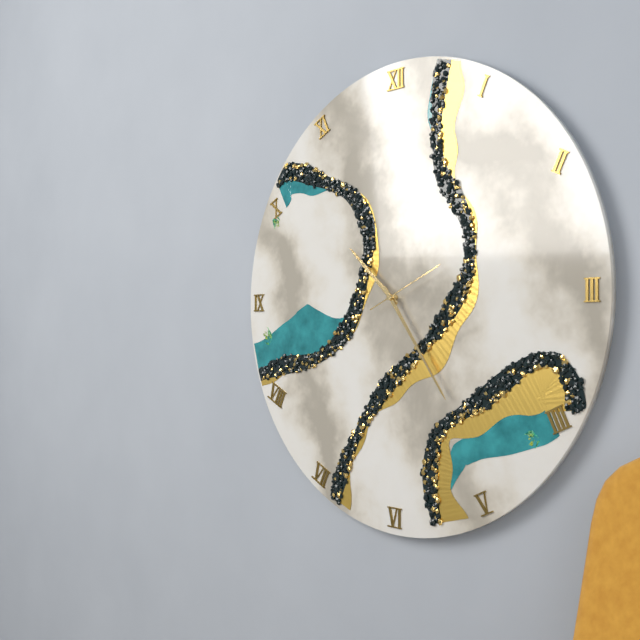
10.24.11
